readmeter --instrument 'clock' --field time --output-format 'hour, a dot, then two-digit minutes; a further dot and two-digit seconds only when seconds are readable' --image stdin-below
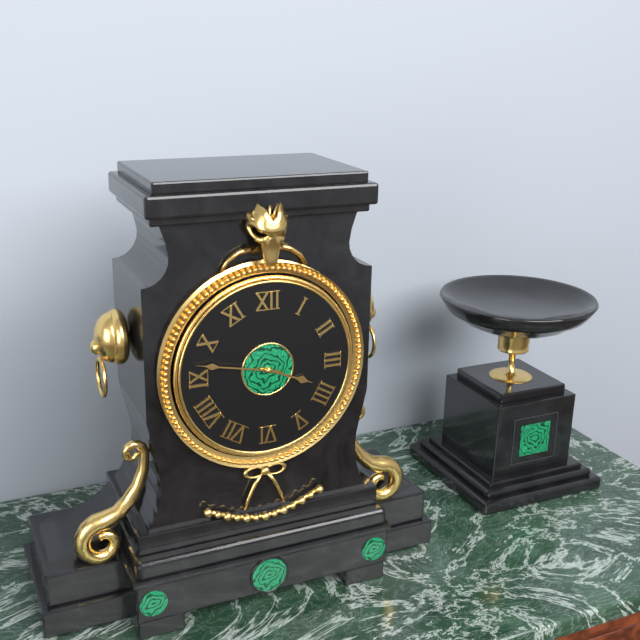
3.47
